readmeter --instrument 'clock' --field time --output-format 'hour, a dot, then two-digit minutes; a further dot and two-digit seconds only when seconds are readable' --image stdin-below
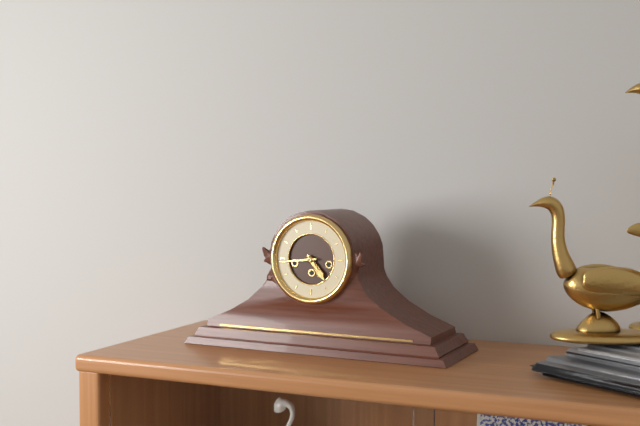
4.44
